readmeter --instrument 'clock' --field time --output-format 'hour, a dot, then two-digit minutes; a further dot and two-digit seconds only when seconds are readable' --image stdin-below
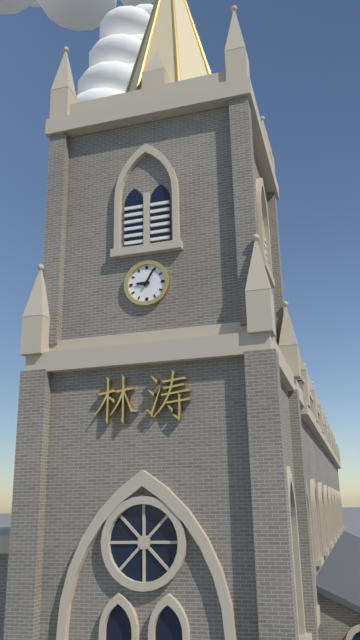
9.05
